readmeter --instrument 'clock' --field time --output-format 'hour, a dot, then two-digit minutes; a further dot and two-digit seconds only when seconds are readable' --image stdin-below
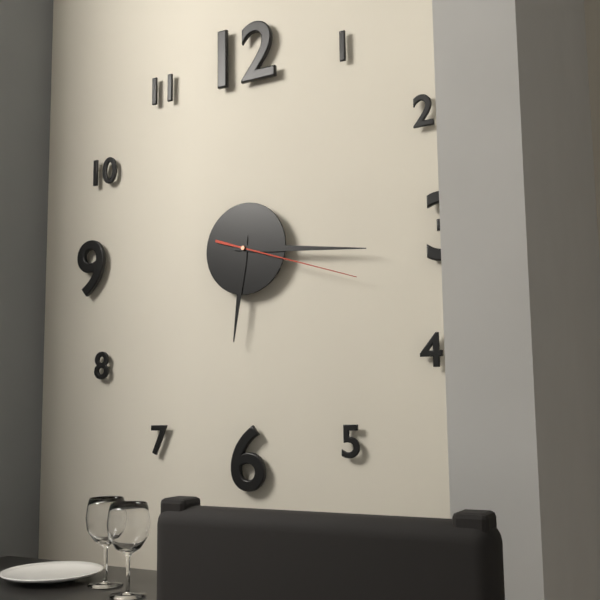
6.16.18
